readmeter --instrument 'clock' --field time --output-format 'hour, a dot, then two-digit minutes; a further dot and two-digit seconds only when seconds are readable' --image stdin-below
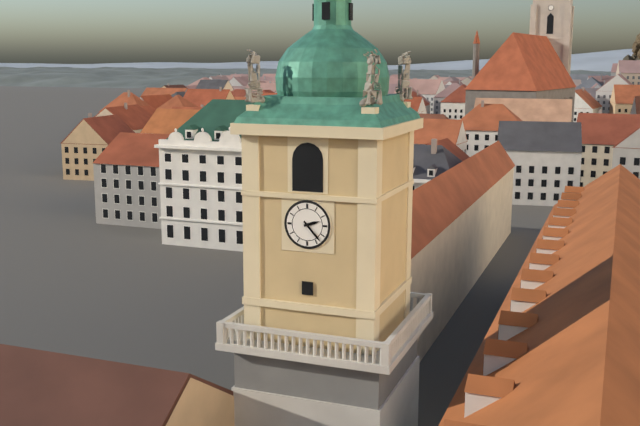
2.23
